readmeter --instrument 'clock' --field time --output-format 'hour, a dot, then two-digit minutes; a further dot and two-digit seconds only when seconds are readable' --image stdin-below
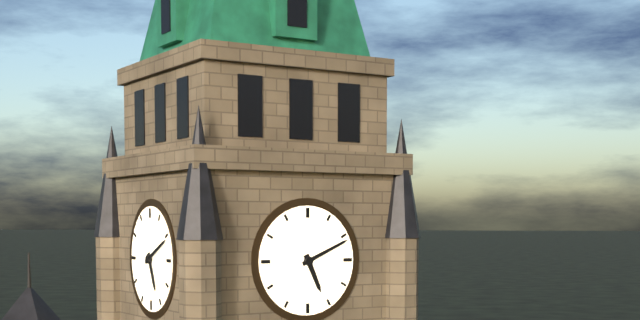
5.11
